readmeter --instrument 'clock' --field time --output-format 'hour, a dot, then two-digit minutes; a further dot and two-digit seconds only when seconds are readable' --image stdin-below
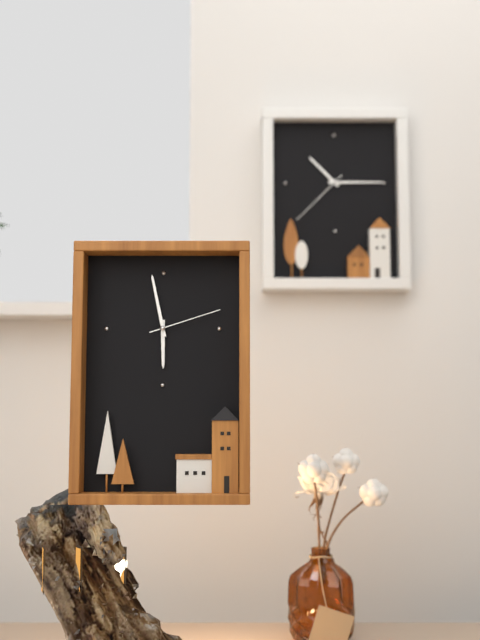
5.58.12
